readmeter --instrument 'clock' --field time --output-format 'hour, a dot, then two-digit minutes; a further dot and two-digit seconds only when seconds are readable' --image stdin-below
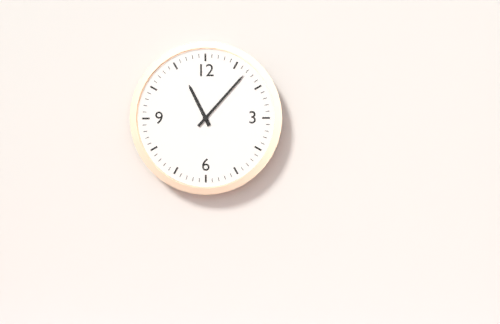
11.07
